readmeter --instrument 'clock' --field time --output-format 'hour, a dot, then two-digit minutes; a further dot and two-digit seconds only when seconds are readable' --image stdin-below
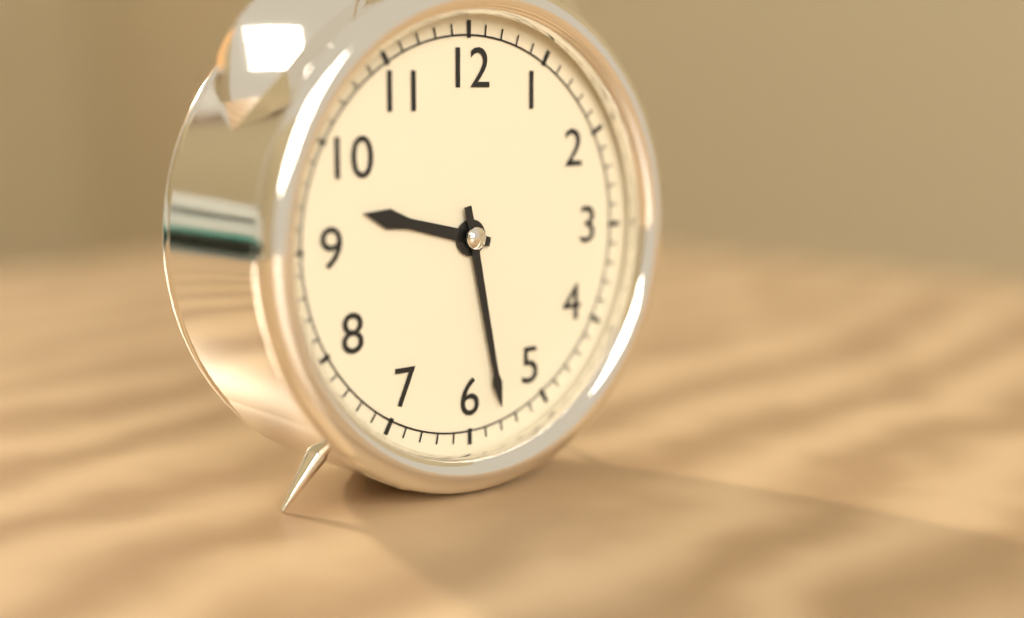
9.28
